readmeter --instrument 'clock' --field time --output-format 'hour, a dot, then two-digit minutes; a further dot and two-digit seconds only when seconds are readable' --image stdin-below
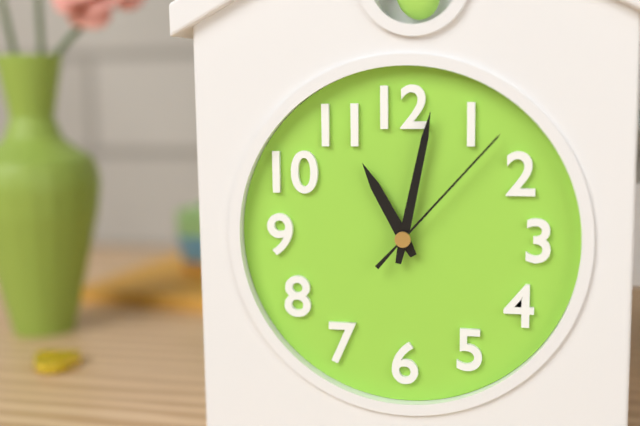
11.02.07
